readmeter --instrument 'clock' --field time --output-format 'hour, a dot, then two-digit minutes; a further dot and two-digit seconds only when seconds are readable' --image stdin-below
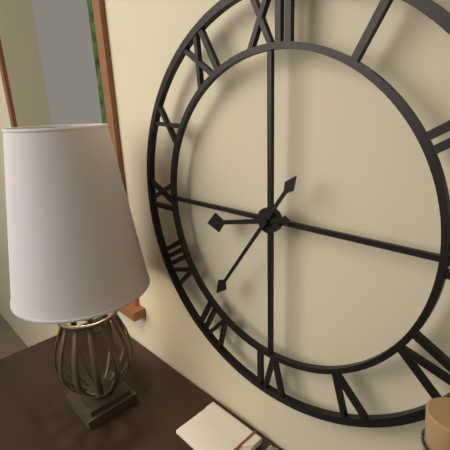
8.36
